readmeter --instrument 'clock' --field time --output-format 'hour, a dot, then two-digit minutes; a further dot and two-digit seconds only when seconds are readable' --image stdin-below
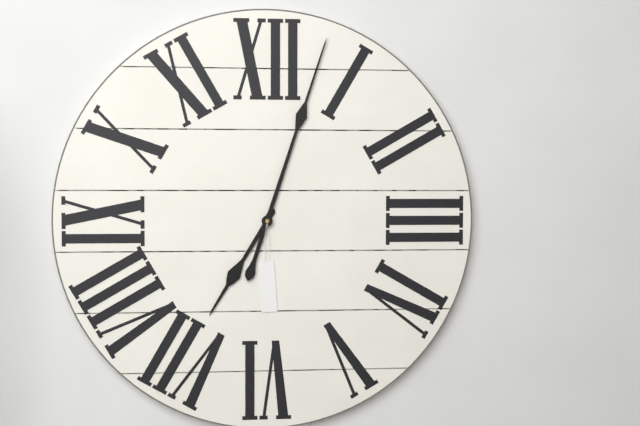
7.03
